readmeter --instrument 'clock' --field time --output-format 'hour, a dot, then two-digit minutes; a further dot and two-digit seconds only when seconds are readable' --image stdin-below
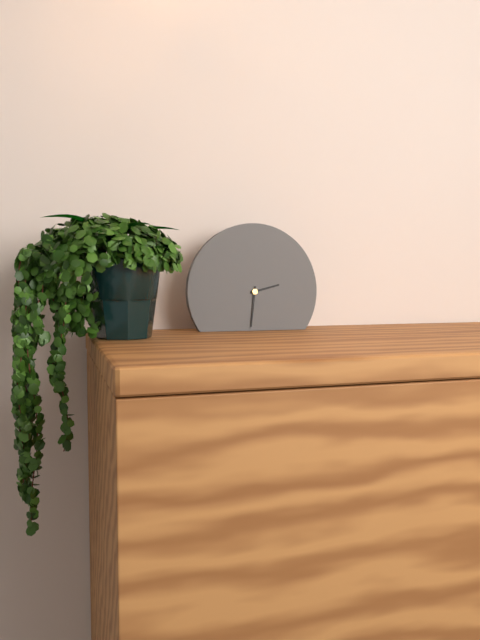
2.31
